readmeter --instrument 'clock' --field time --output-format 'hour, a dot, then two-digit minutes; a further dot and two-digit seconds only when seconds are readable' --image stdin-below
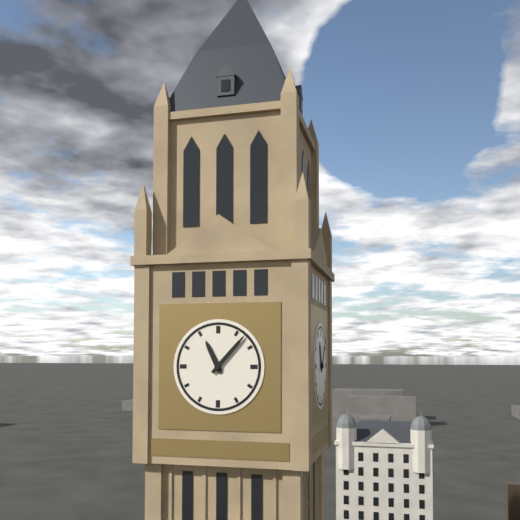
11.07
